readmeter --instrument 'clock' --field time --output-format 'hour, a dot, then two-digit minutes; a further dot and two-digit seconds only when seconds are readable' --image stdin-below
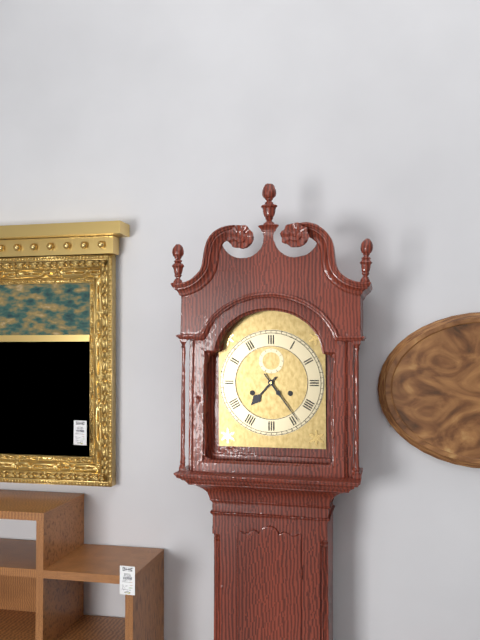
7.24
